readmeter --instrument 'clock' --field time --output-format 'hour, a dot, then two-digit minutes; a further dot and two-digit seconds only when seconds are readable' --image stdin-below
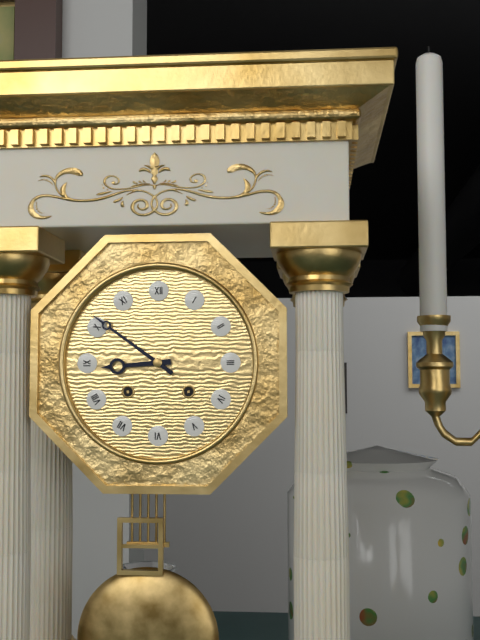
8.51
